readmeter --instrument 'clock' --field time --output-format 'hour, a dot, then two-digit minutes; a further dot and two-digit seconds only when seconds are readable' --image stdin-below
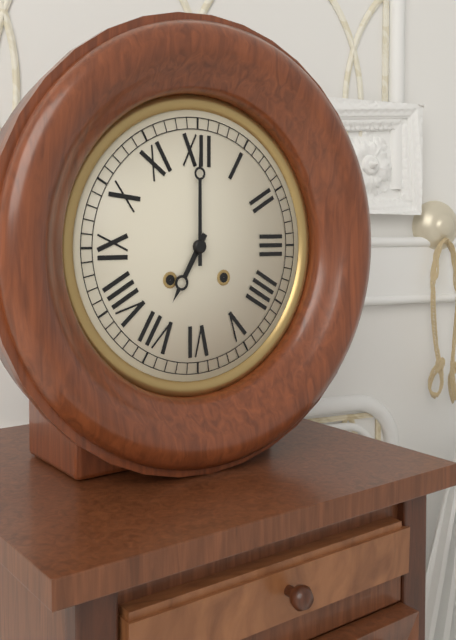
7.00
